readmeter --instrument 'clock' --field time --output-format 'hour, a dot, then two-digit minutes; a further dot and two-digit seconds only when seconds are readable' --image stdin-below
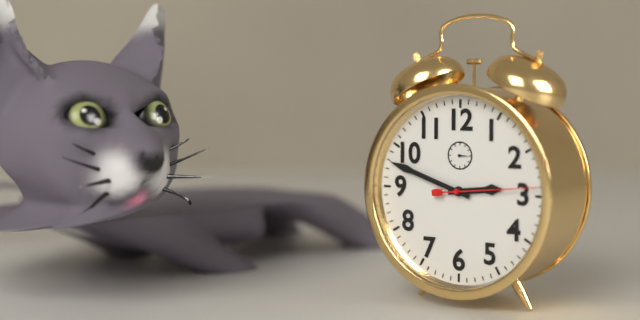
2.48.14
